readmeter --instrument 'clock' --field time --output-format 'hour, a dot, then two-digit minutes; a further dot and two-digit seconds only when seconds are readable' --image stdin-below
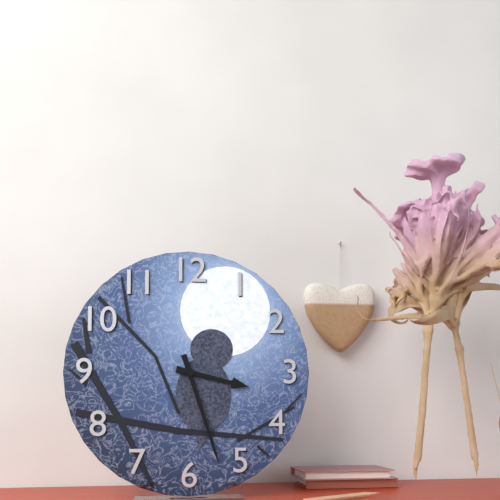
3.27
